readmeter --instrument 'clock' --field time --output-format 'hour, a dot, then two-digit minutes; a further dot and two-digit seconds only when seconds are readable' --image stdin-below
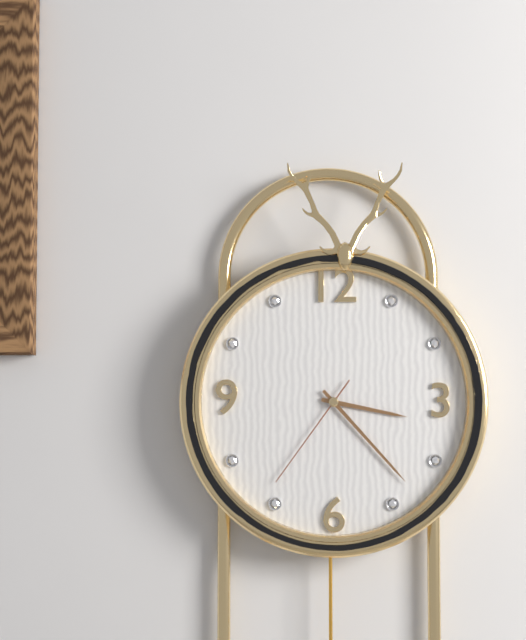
3.23.36
